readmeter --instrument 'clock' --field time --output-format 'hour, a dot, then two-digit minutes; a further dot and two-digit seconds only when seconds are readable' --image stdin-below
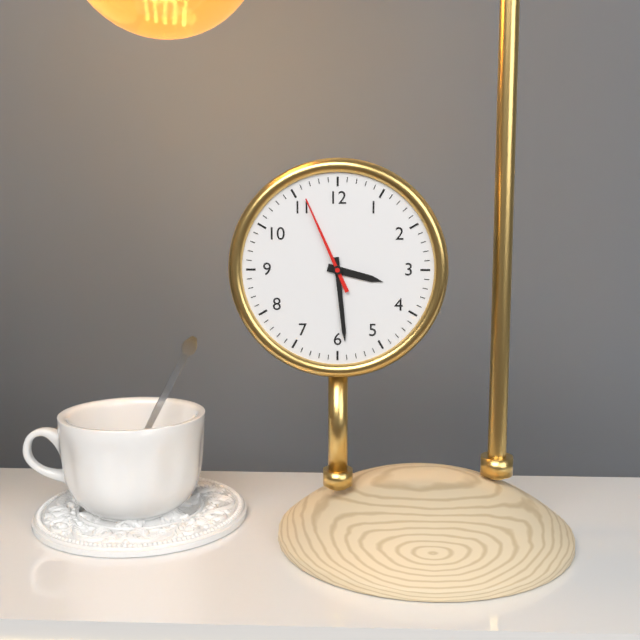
3.29.56
